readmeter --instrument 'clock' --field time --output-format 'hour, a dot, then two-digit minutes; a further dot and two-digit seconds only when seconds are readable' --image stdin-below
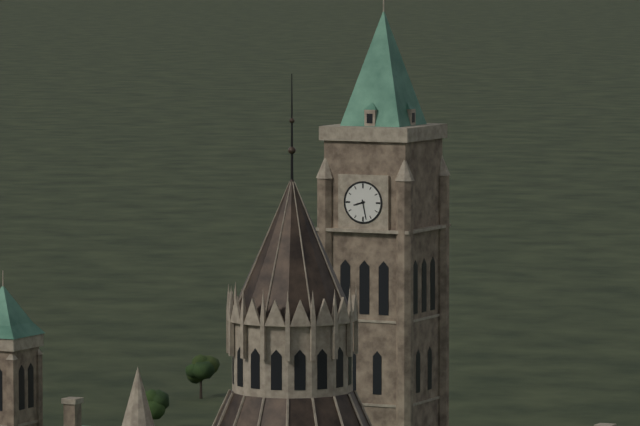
8.28
